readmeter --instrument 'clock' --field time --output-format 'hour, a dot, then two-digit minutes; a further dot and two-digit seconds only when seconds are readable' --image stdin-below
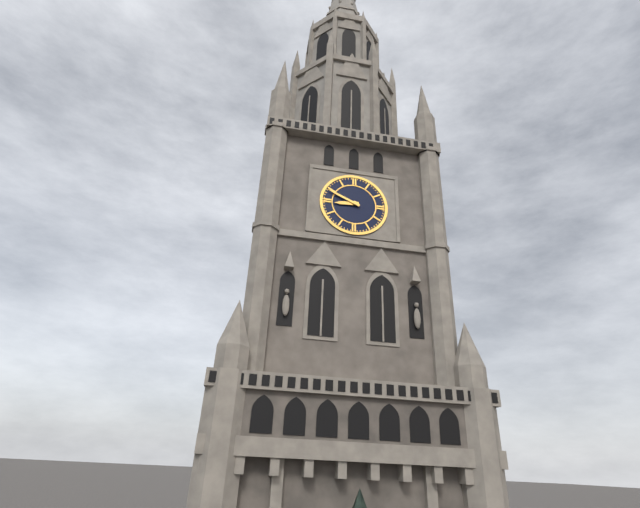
8.49
